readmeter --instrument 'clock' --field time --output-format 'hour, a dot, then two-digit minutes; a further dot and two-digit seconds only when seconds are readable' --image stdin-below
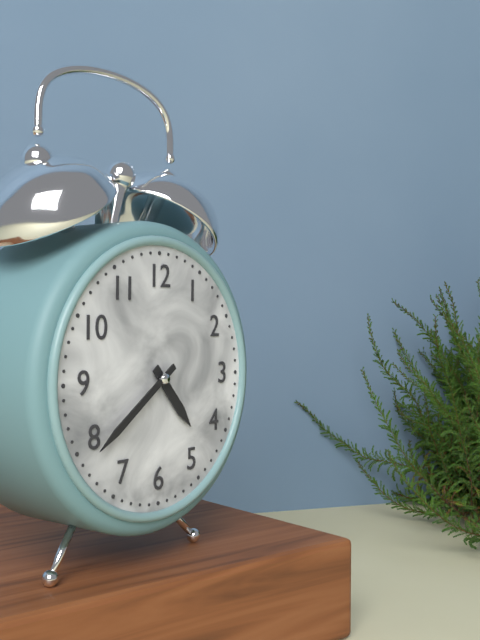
4.39
